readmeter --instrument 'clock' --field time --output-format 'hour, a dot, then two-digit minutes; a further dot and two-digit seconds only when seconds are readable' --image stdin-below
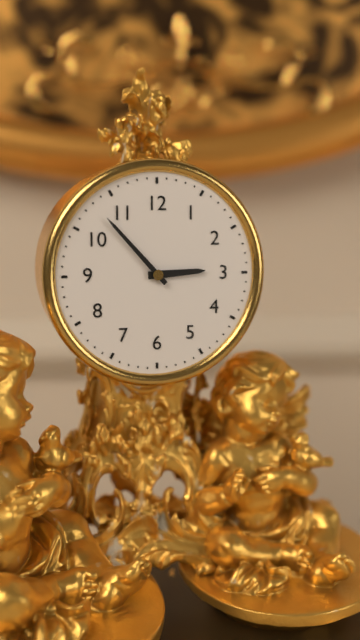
2.53
